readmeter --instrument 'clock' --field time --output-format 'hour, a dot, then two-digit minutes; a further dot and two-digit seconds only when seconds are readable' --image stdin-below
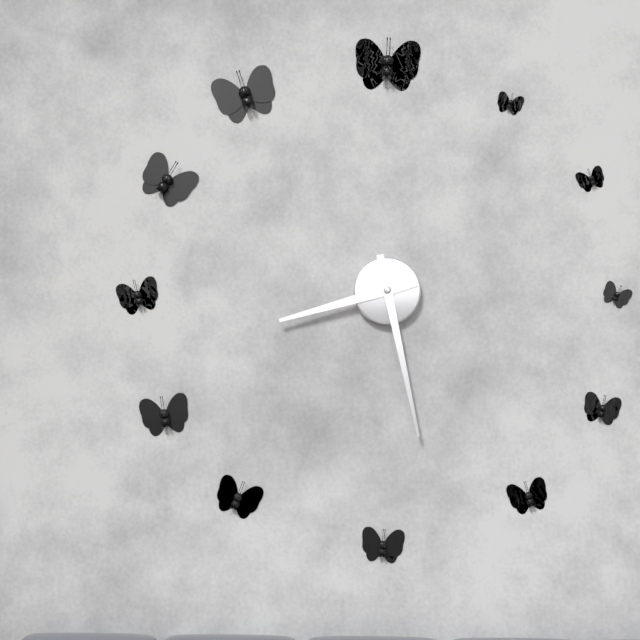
8.28
